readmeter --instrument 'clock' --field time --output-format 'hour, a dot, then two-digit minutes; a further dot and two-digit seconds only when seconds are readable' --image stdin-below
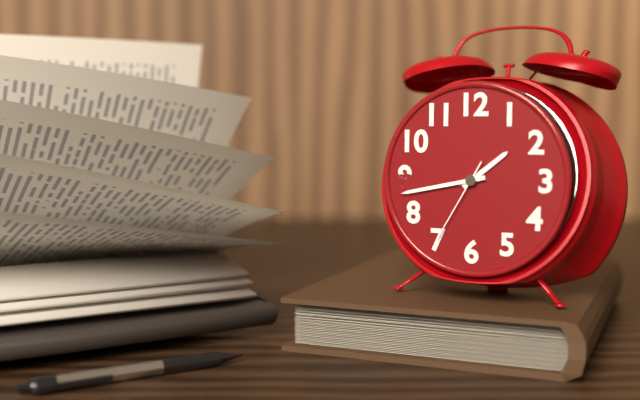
1.43.35
